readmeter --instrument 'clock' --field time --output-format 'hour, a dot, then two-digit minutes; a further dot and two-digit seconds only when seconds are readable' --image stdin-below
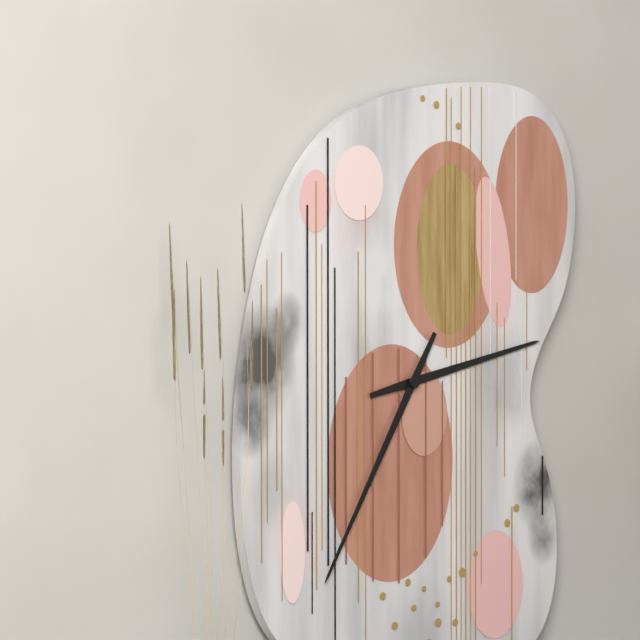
2.35
